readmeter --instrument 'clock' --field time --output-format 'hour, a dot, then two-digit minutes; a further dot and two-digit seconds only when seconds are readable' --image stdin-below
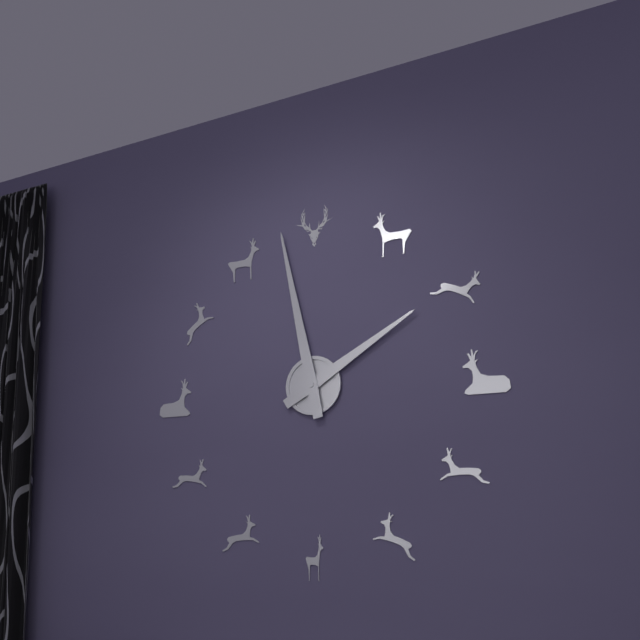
1.58
